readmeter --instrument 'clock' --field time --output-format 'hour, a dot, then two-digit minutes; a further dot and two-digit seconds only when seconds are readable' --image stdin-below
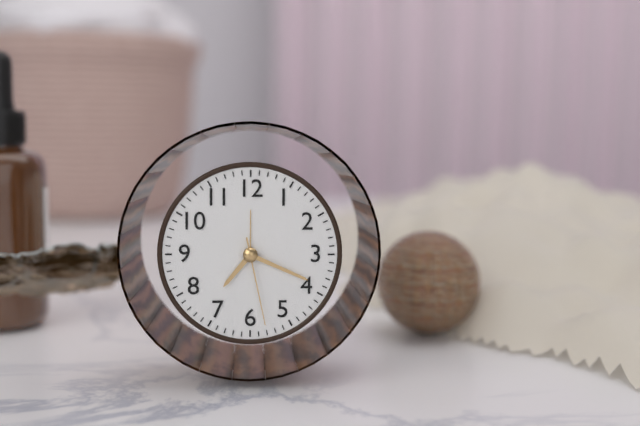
7.19.28
